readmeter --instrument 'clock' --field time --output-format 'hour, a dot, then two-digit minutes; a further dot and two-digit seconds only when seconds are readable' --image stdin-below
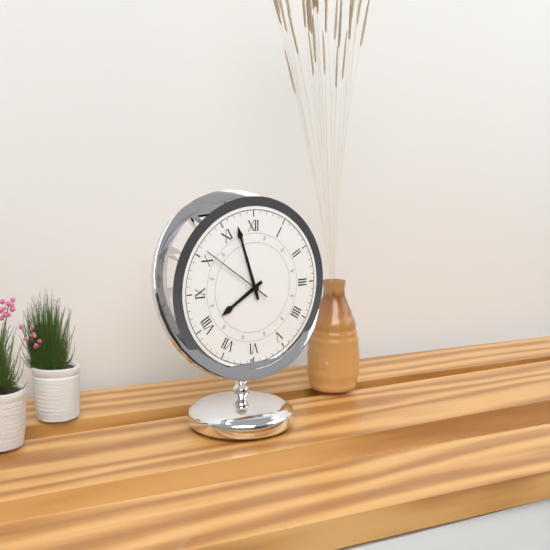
7.57.51
